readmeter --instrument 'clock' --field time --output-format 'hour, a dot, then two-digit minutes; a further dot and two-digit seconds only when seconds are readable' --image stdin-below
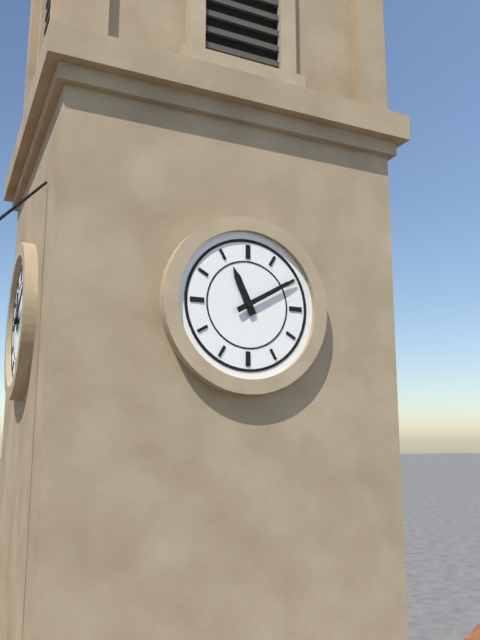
11.10
